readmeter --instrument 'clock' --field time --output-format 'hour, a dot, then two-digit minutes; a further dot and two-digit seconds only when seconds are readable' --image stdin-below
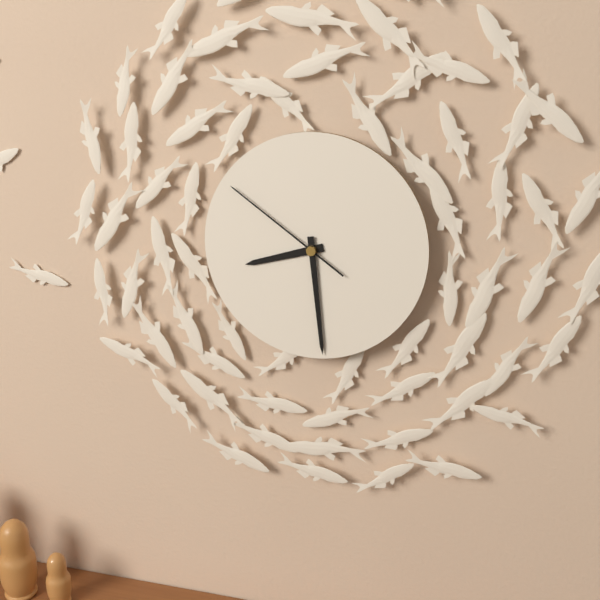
8.29.51
